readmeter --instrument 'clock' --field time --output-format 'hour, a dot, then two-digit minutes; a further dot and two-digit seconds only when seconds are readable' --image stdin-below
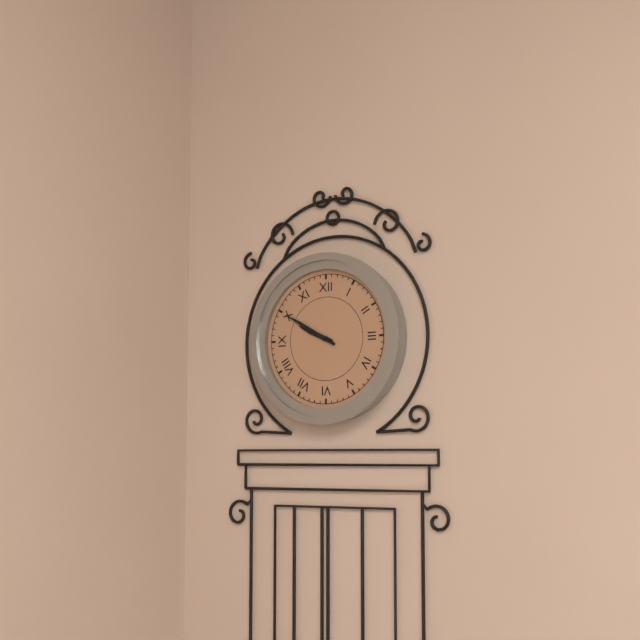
9.50
